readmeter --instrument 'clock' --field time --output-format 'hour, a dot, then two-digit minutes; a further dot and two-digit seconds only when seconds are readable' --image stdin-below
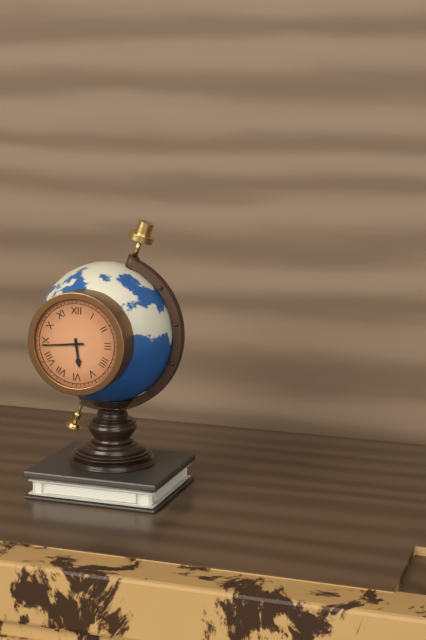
5.44
